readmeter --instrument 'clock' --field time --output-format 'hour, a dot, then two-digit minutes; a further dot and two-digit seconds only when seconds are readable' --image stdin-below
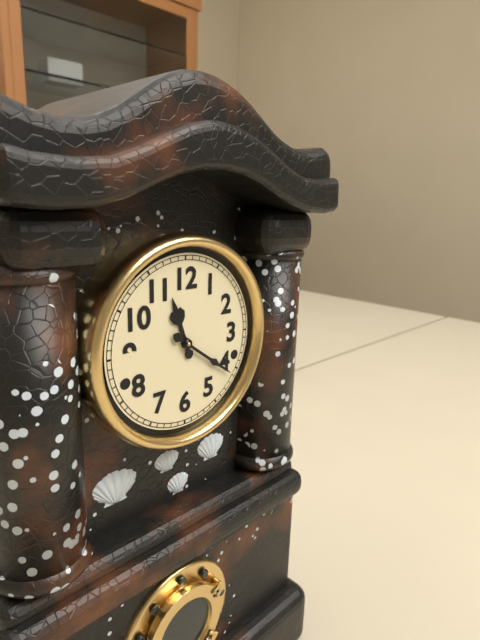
11.21
